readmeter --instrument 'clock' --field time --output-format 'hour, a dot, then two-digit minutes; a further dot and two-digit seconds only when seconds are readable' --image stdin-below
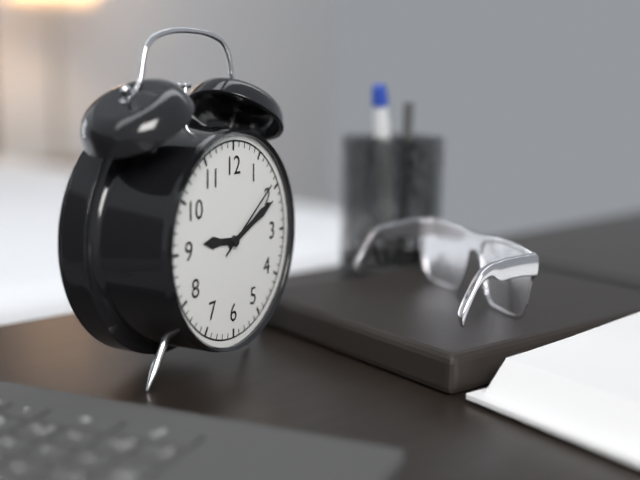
9.11.09
